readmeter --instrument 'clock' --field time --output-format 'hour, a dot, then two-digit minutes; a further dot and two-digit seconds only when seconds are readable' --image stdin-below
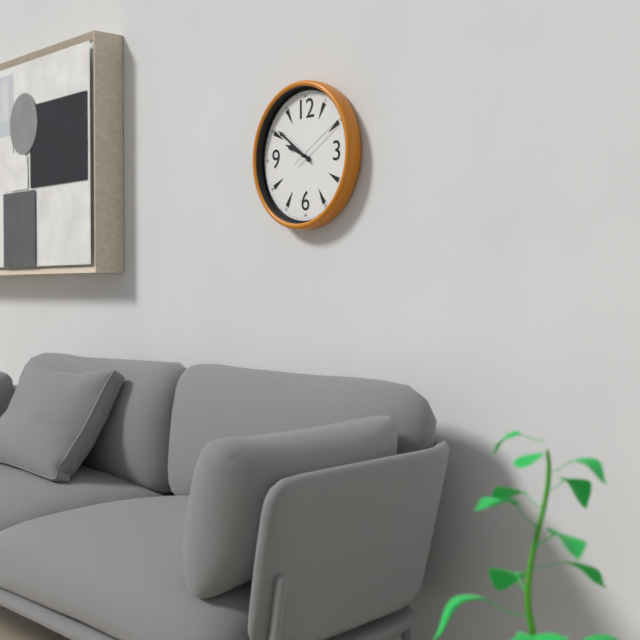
9.51.10
